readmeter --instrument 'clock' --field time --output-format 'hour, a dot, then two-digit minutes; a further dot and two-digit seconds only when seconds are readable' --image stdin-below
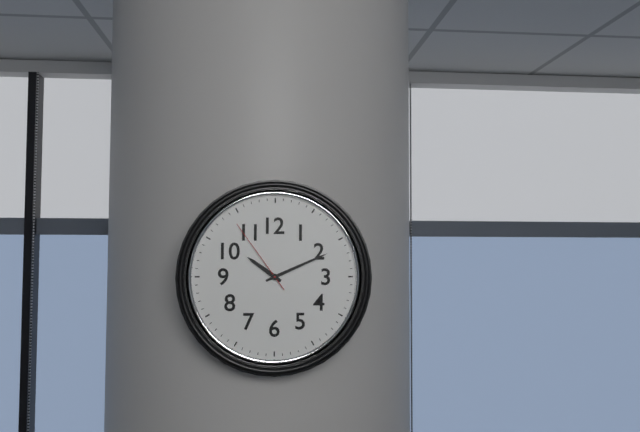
10.11.54
